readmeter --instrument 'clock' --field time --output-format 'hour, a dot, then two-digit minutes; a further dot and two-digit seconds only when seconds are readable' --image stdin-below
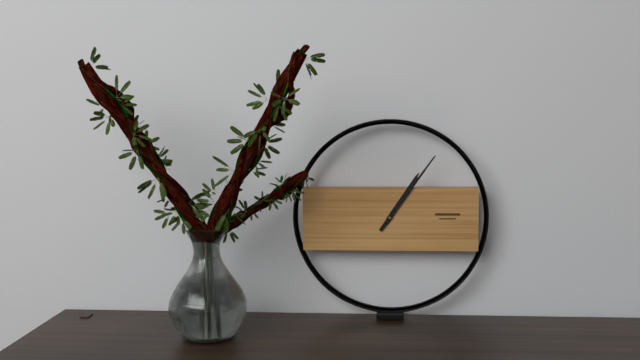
1.06
